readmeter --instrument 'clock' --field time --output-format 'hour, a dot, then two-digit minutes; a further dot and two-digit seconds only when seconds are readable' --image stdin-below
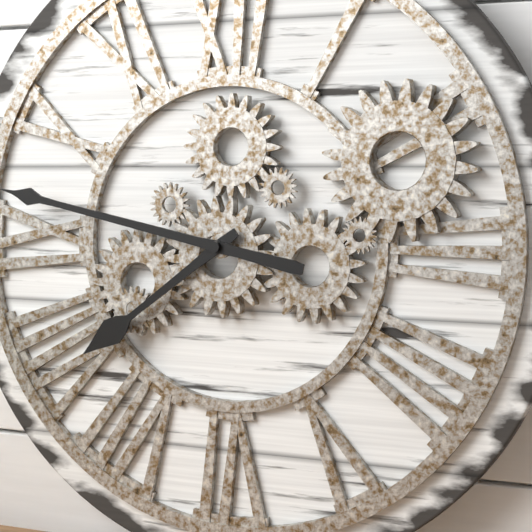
7.47
